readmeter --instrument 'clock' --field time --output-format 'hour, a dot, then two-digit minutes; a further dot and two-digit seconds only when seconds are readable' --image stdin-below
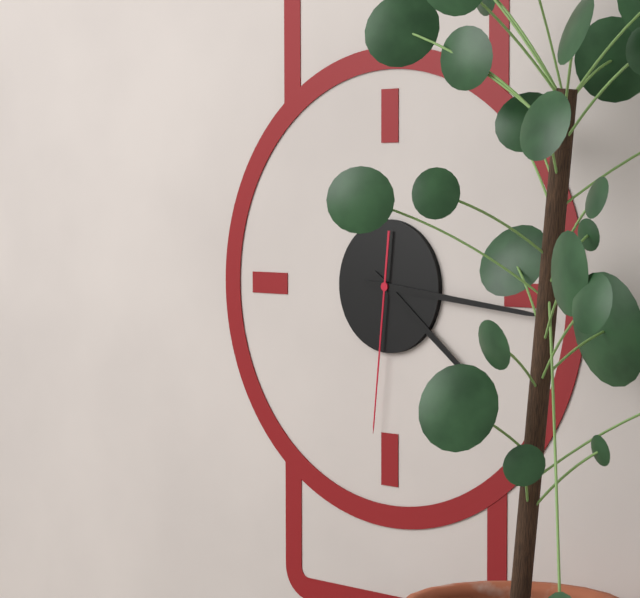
4.16.31
